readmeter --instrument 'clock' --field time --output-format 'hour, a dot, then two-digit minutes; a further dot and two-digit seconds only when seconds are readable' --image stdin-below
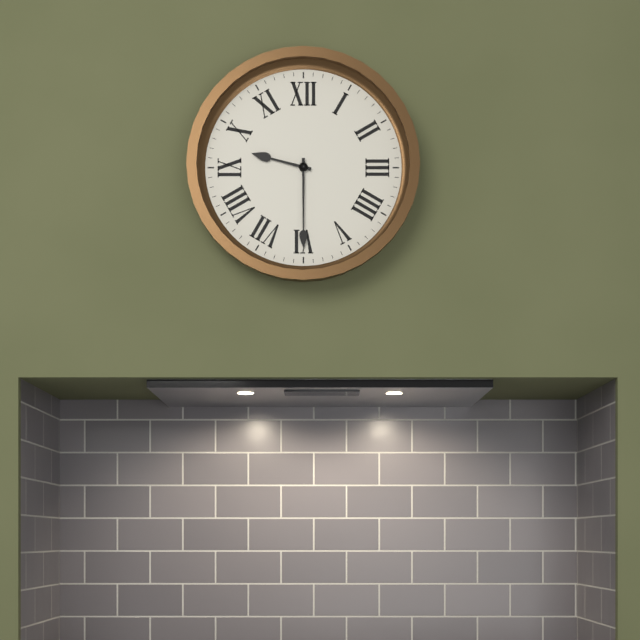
9.30
